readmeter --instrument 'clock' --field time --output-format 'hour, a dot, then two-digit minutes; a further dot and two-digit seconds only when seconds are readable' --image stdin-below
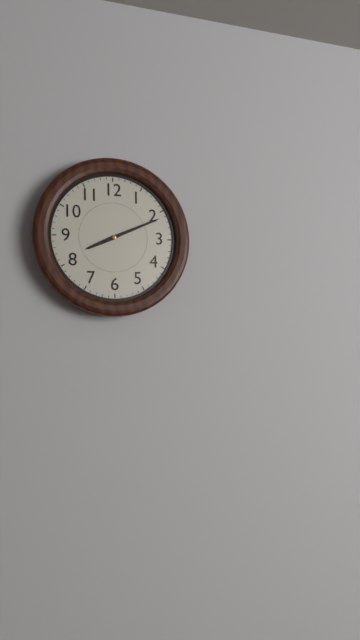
8.11
